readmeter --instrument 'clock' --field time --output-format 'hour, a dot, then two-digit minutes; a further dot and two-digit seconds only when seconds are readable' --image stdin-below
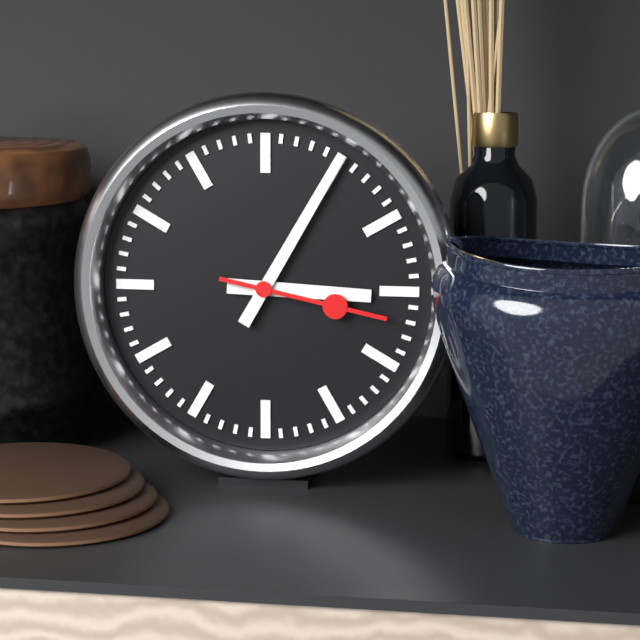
3.05.17
